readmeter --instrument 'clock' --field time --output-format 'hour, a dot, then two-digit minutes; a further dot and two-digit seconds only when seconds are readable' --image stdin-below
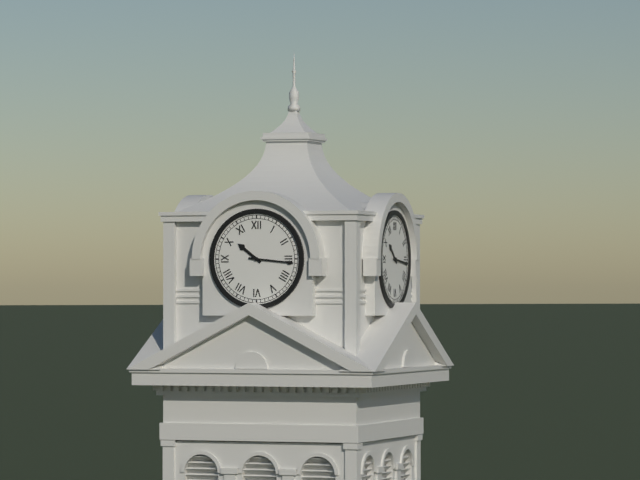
10.16
